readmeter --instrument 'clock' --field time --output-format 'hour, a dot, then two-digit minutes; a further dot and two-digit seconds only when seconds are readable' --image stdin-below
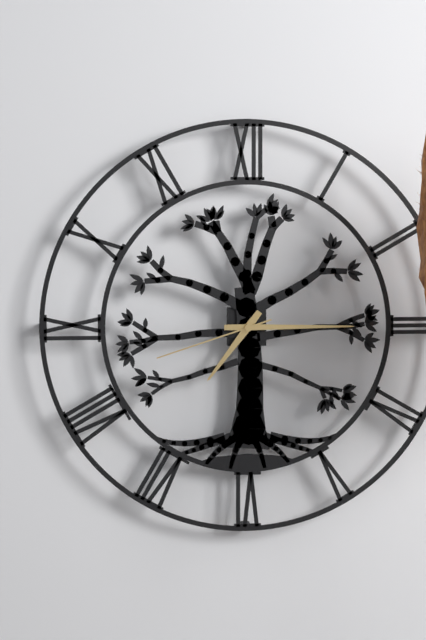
7.15.42
